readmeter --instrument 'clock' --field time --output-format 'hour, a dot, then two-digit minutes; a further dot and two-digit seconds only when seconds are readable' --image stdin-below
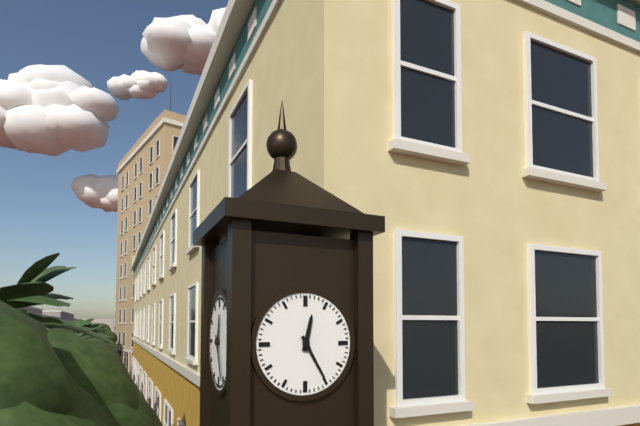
12.25
